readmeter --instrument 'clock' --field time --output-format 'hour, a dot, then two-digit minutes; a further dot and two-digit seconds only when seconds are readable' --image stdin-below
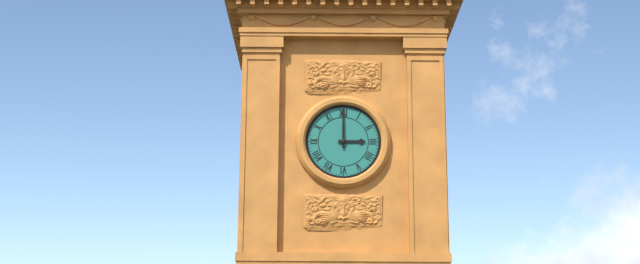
3.00
